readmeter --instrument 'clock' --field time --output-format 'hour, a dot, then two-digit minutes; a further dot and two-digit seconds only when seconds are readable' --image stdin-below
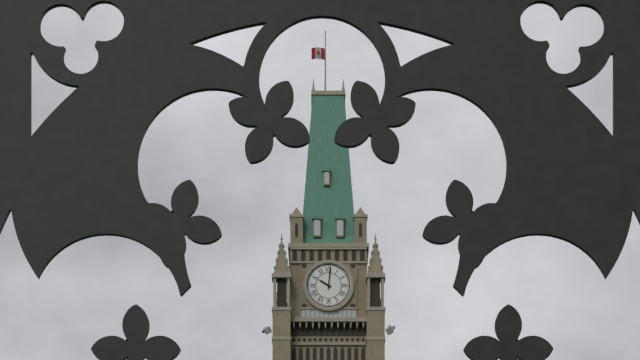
10.01
